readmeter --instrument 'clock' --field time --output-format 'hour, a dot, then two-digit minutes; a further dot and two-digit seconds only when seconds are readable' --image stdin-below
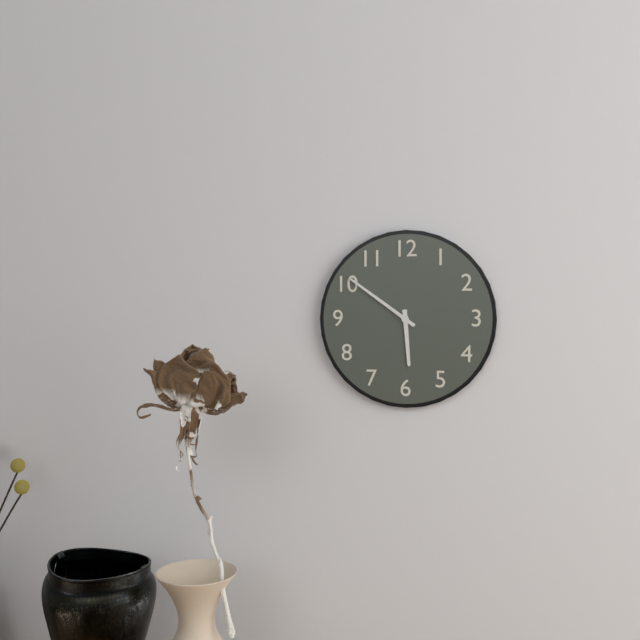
5.51
